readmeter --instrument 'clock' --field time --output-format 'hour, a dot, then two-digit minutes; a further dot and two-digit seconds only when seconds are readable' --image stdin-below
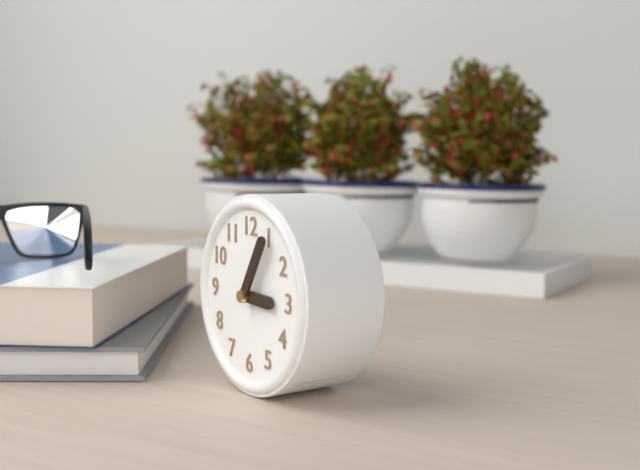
3.05
